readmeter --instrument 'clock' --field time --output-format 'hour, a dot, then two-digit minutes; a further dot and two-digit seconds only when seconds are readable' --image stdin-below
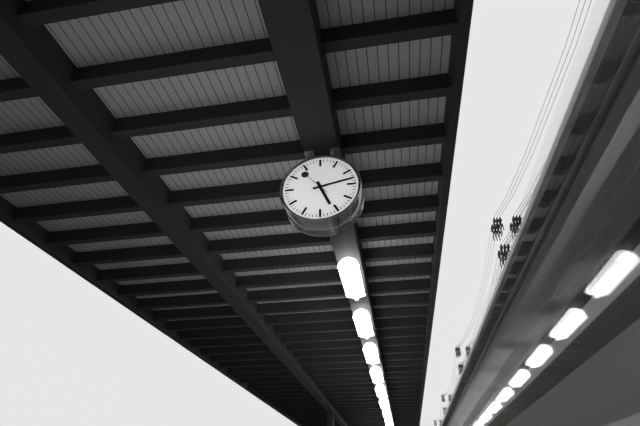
5.13
